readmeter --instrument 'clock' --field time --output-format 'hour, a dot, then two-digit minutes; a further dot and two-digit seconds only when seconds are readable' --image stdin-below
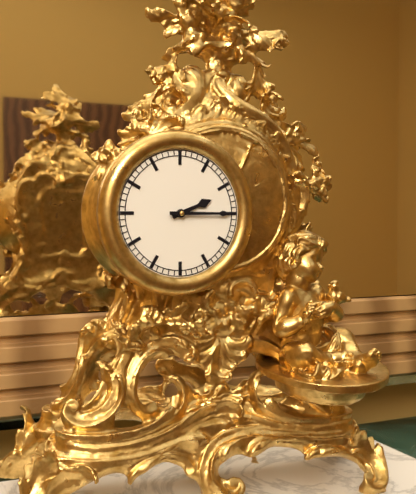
2.15
